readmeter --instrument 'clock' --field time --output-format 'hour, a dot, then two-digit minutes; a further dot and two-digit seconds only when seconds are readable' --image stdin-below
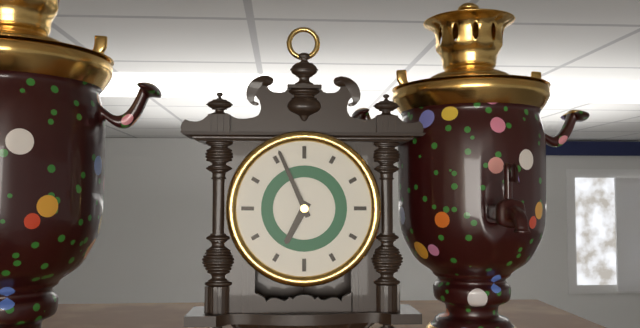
6.56
